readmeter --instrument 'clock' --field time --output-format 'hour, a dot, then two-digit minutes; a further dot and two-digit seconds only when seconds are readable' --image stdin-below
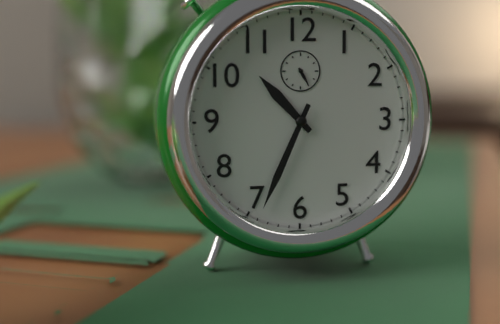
10.34
